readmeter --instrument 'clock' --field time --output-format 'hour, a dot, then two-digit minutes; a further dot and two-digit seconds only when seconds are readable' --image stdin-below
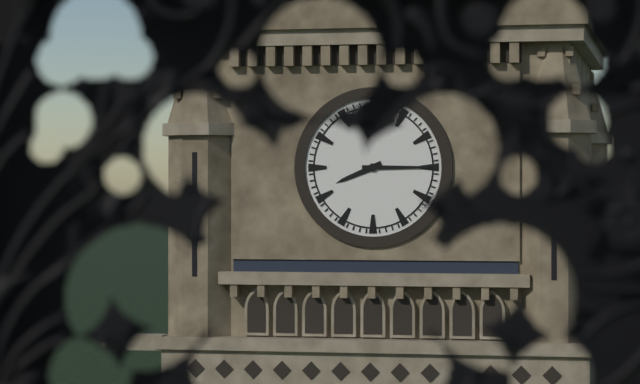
8.15
